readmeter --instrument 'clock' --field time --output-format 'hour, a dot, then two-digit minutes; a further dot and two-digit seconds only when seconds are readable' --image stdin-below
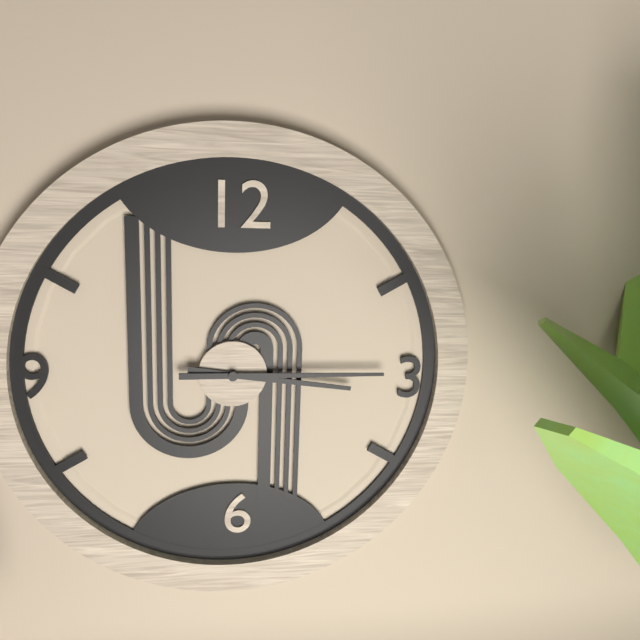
3.15
